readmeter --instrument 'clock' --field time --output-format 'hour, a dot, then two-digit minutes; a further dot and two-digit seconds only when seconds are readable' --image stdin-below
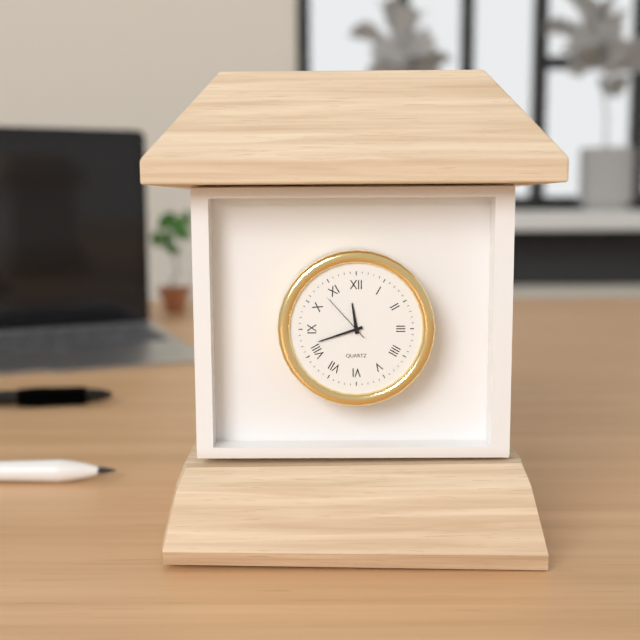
11.42.53
